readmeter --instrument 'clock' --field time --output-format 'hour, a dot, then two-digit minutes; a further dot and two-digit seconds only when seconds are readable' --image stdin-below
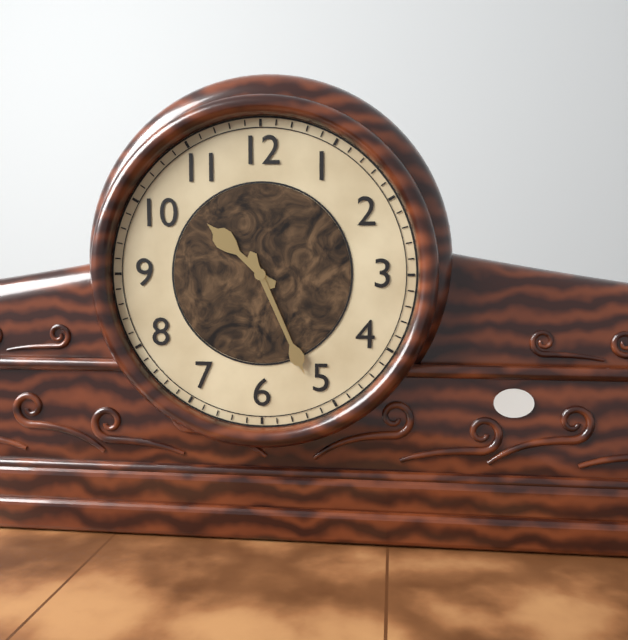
10.26
